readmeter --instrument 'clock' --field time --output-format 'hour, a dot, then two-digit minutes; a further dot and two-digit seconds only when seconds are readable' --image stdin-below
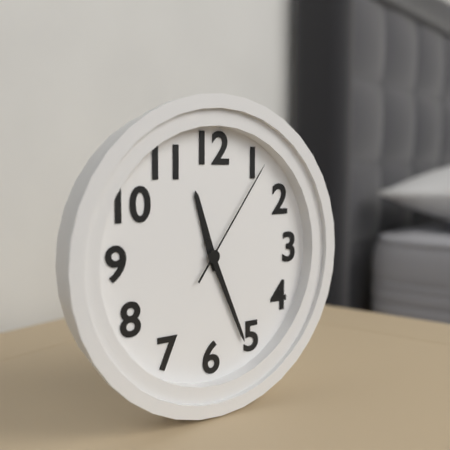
11.26.06
